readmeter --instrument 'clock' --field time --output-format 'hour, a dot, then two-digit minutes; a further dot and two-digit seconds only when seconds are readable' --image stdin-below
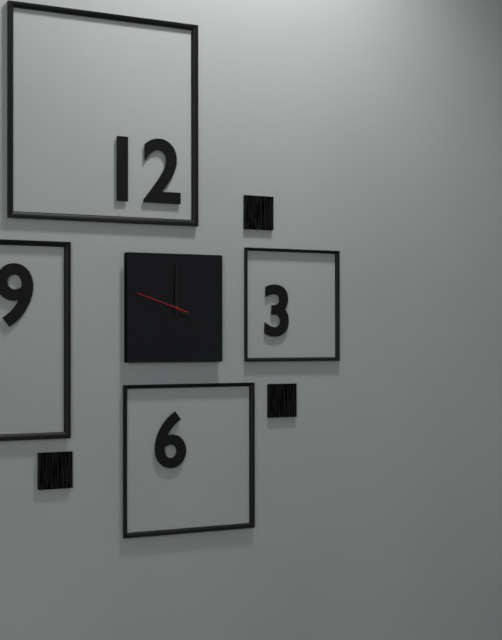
4.00.48
